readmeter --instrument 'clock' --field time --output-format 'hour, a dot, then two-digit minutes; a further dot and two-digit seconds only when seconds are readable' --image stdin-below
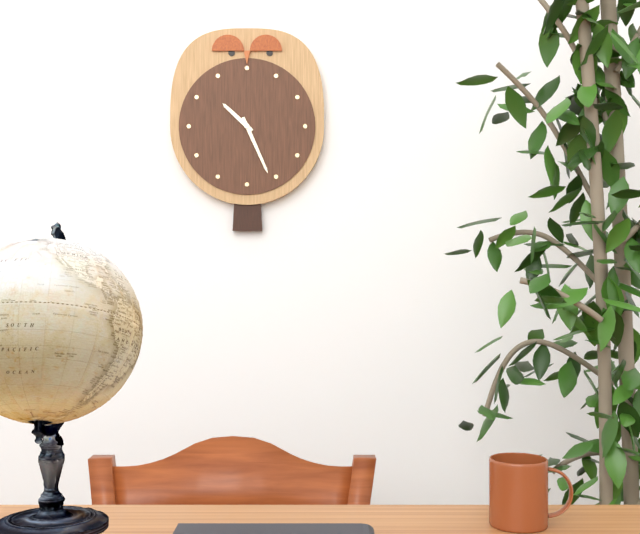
10.26
